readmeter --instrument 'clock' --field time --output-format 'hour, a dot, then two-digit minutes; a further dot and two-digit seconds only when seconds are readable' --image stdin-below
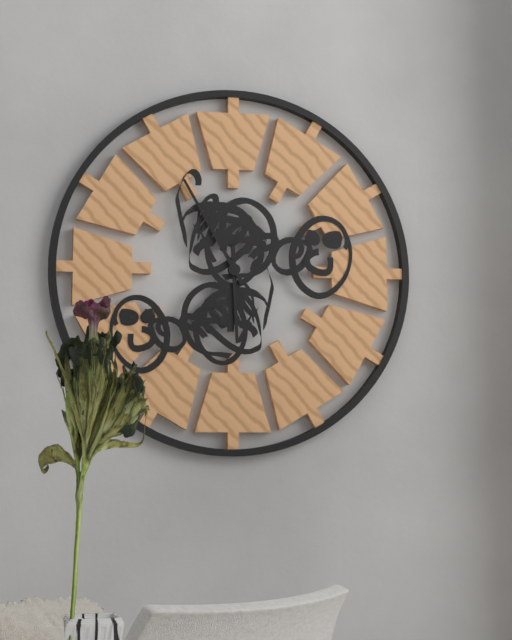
5.55
